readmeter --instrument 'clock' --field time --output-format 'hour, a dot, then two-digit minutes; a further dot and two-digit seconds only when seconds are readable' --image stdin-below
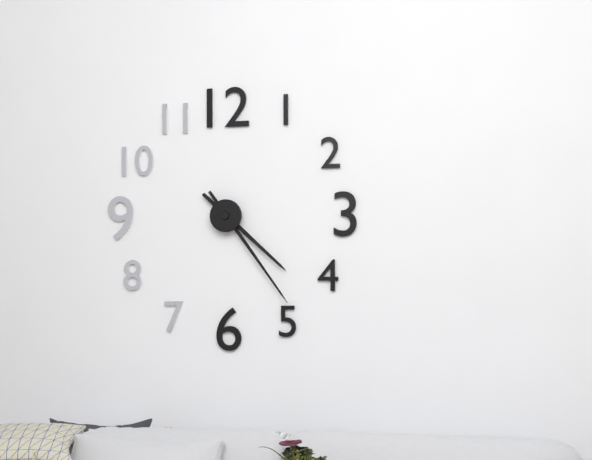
4.24
